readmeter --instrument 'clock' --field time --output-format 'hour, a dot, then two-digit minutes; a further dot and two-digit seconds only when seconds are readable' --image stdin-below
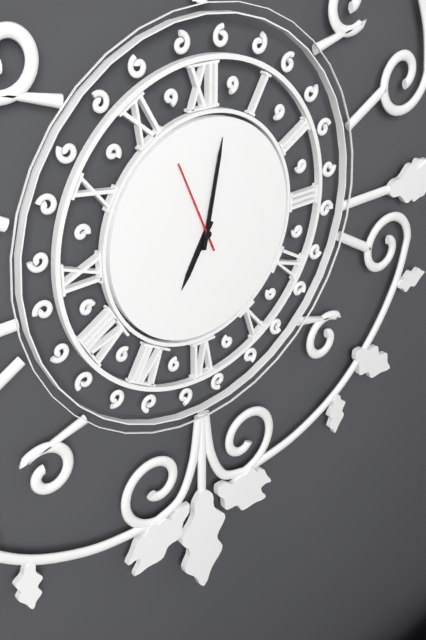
7.02.56
